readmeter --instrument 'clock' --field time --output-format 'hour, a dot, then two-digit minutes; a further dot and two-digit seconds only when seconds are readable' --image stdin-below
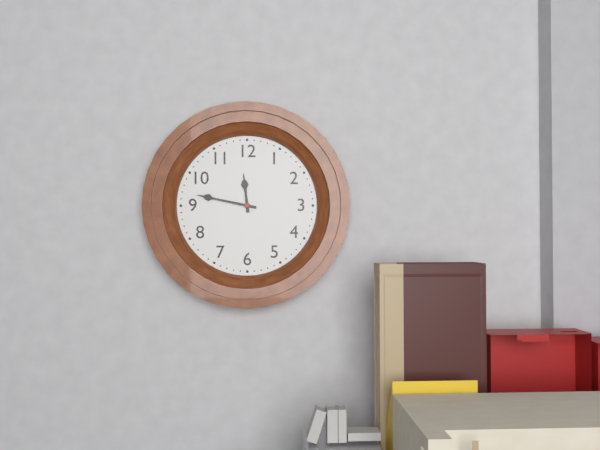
11.47
